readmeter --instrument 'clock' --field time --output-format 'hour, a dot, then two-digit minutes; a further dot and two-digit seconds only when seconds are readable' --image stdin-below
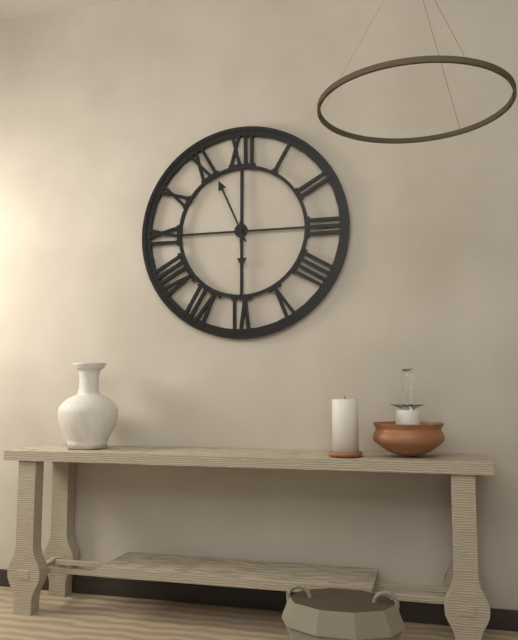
5.56
